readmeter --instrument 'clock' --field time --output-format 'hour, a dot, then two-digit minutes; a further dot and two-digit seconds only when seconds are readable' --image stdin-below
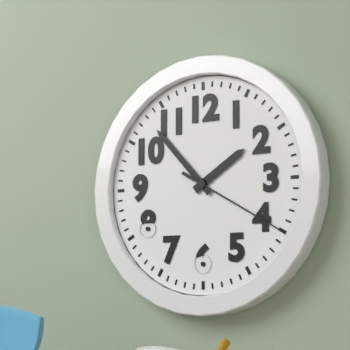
1.53.20
